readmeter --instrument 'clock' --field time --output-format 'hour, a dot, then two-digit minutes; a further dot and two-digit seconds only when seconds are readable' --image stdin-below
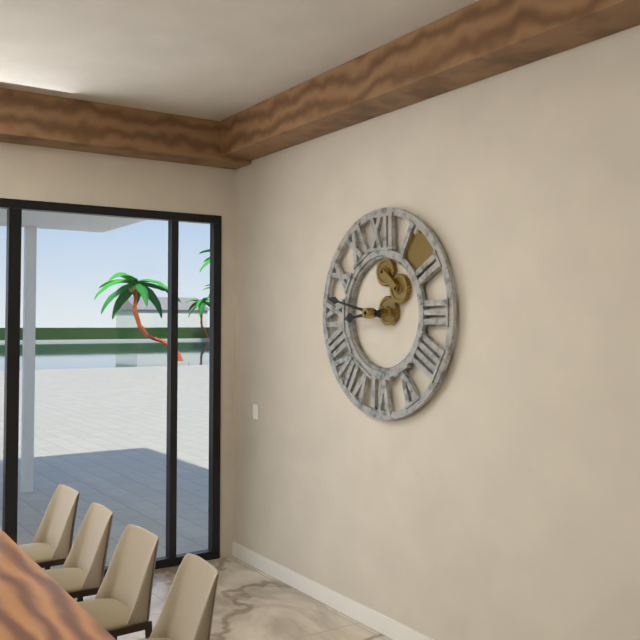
8.47
